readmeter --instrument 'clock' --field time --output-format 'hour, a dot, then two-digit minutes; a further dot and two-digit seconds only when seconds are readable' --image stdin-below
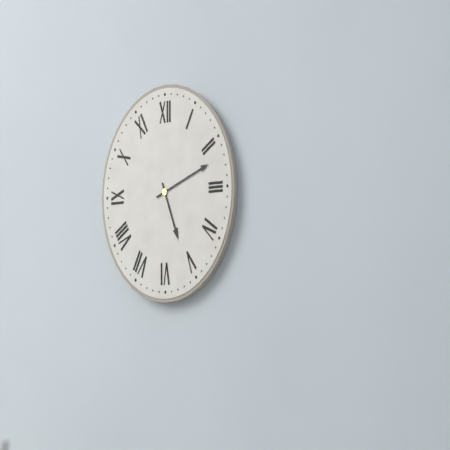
5.12
